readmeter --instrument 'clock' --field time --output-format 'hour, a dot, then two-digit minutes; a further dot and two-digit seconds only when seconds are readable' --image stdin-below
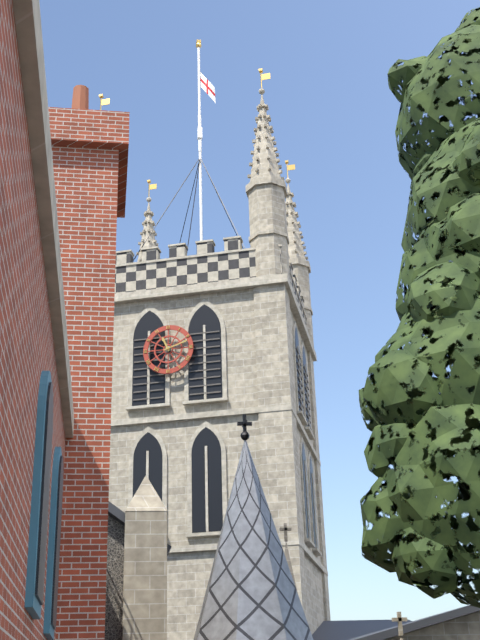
11.12
